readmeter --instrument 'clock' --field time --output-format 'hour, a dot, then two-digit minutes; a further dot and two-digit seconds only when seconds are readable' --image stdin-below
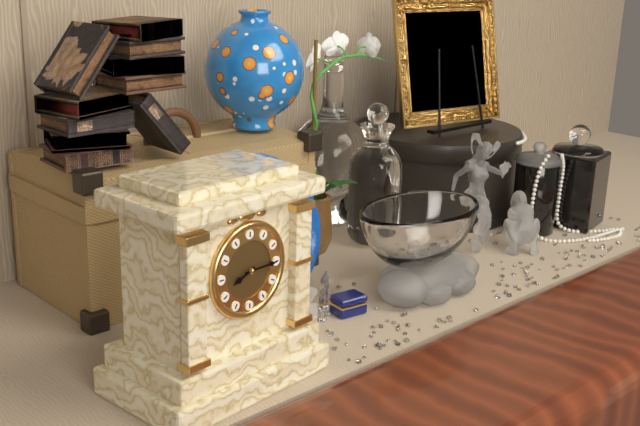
8.15
